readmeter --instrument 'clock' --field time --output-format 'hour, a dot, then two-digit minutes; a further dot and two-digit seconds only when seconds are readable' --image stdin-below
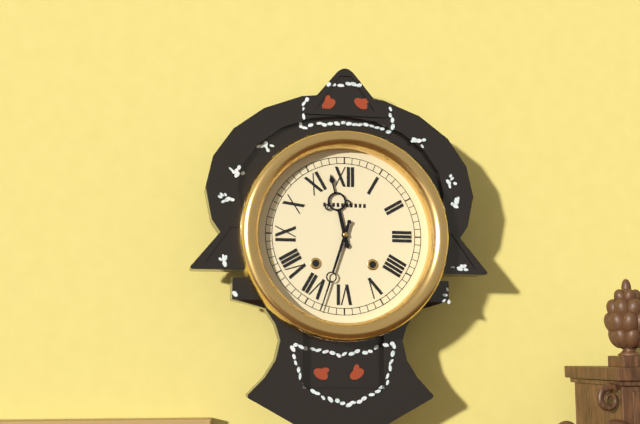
11.33
